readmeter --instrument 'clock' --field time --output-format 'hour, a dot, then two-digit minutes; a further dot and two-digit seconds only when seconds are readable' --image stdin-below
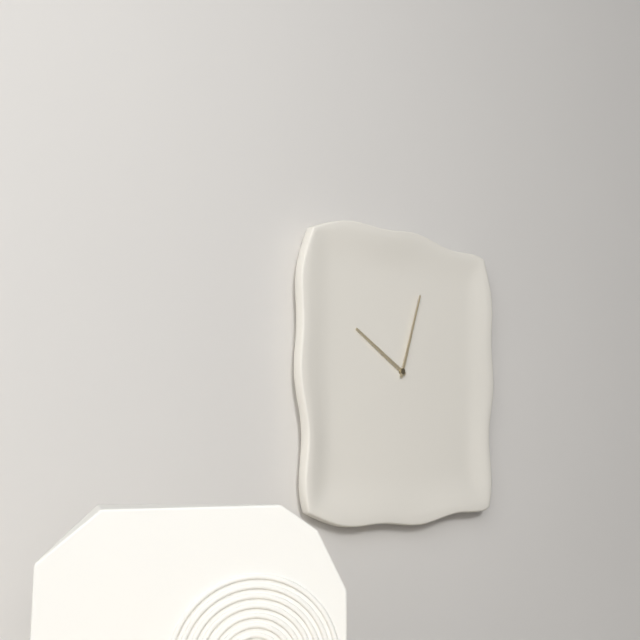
10.03
